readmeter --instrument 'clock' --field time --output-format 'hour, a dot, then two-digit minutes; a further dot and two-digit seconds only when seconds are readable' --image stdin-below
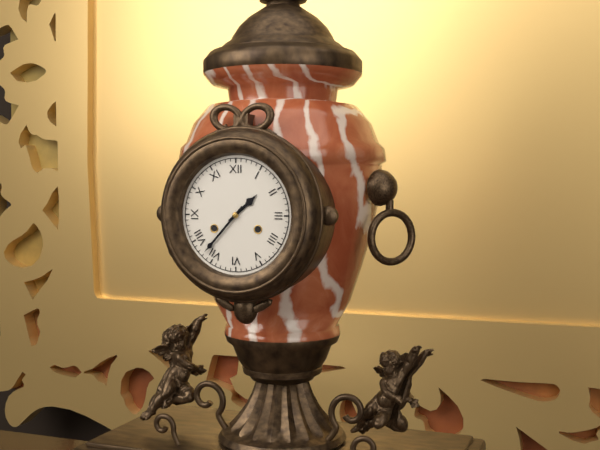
1.37
